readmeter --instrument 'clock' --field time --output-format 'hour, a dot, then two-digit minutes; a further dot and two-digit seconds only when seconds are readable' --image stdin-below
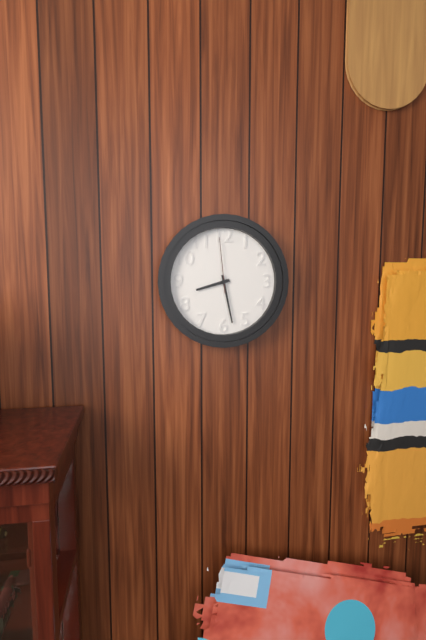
8.28.59
